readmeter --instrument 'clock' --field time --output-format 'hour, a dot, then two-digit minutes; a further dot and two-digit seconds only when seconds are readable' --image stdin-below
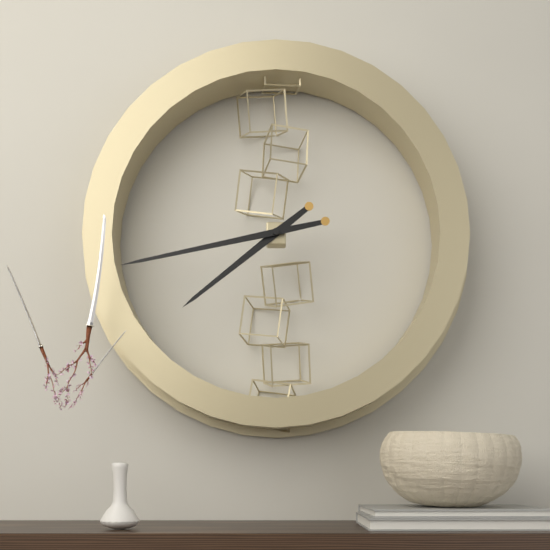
7.43
